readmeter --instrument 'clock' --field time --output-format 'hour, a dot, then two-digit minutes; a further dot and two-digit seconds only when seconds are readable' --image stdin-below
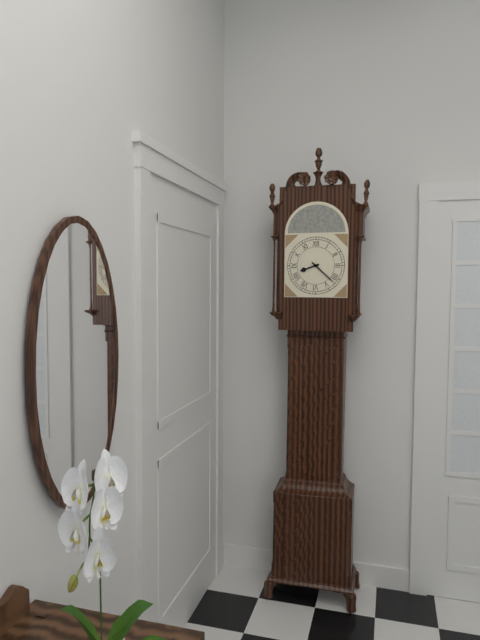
8.22
